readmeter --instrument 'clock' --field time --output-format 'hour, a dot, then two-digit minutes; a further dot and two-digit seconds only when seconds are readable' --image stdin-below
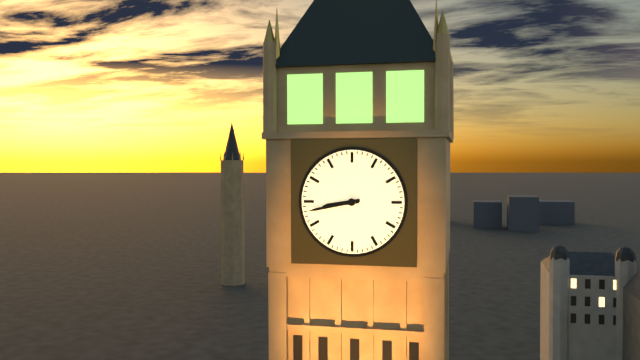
8.43
